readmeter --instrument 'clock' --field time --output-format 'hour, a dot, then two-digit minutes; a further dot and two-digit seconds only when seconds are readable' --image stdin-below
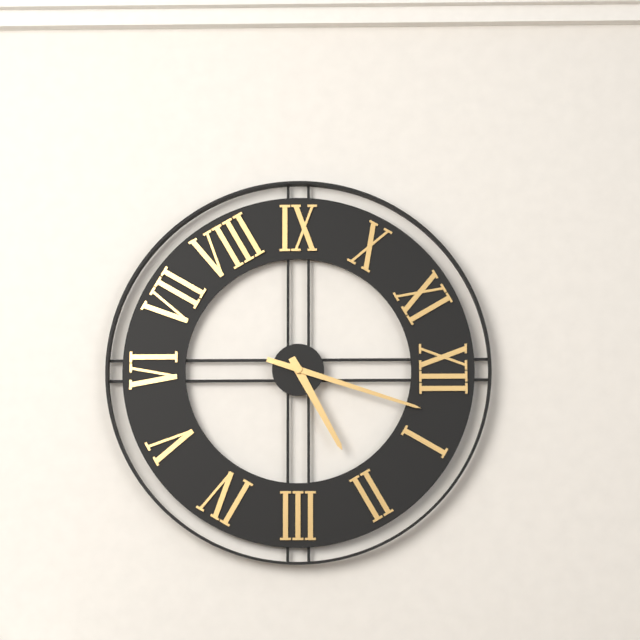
2.03
